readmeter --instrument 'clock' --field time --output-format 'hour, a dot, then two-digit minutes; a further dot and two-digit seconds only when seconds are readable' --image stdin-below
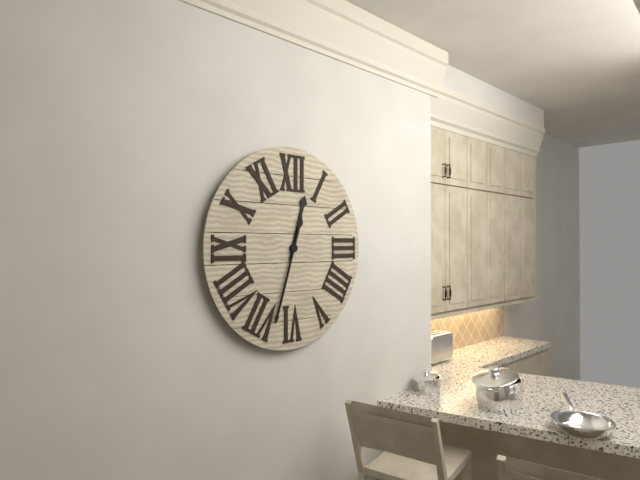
12.33
